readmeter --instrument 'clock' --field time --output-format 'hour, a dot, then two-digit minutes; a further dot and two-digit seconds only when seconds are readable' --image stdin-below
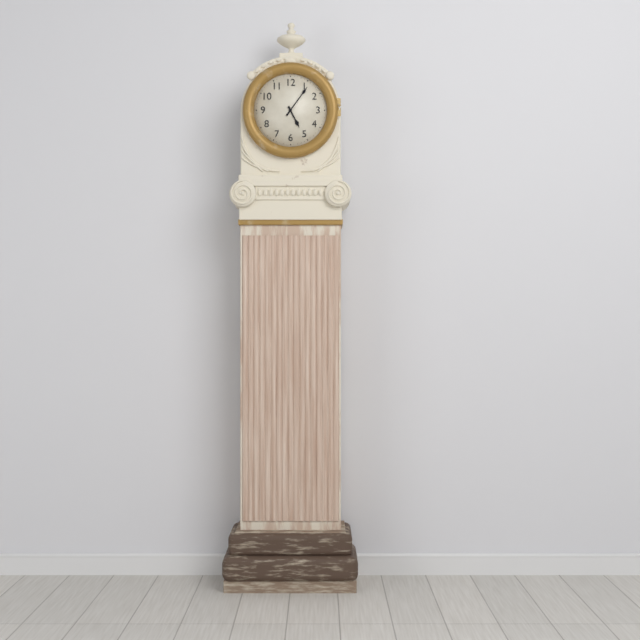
5.06
